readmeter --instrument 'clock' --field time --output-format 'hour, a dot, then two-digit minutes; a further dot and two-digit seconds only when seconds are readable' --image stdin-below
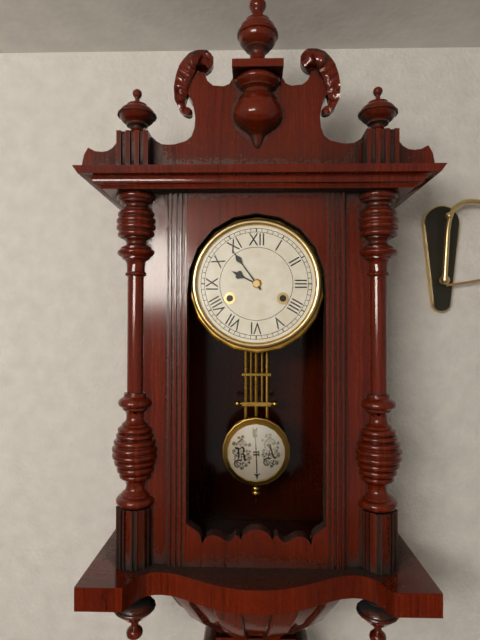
9.54
